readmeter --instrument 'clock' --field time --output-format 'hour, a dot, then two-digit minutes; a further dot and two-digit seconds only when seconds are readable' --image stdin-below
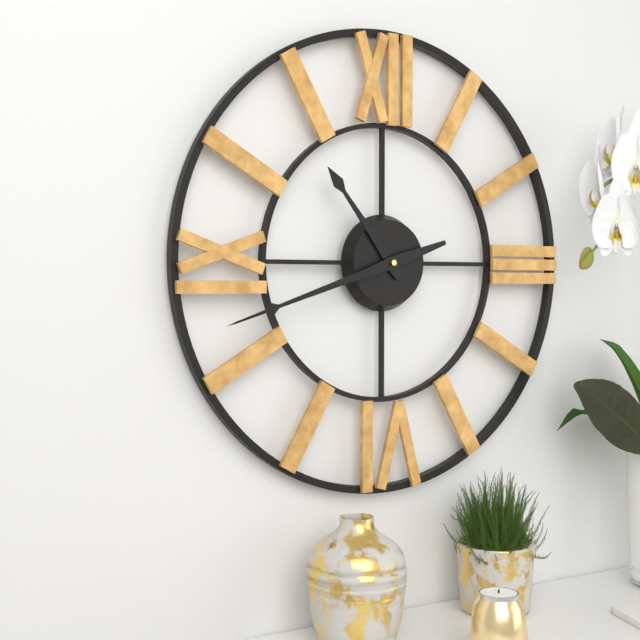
10.42
